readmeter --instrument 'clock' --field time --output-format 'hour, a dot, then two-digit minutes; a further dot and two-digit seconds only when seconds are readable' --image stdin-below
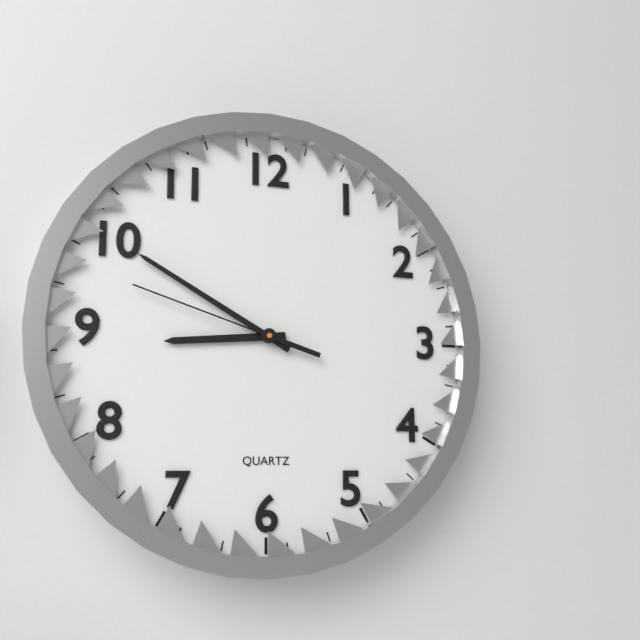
8.50.48
